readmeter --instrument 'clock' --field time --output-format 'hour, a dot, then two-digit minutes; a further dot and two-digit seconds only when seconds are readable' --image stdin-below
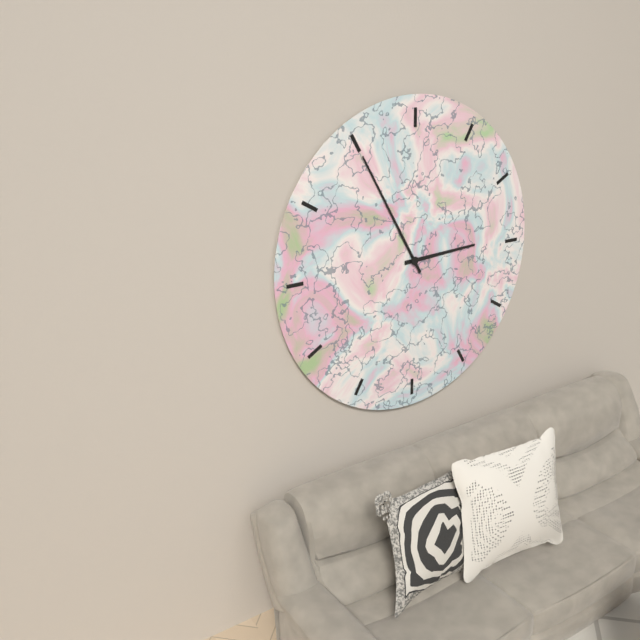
2.55
